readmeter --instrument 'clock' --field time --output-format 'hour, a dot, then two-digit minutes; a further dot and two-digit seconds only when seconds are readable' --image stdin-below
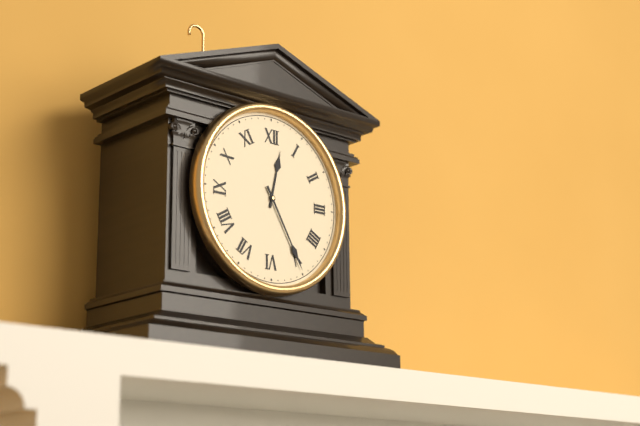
12.25
